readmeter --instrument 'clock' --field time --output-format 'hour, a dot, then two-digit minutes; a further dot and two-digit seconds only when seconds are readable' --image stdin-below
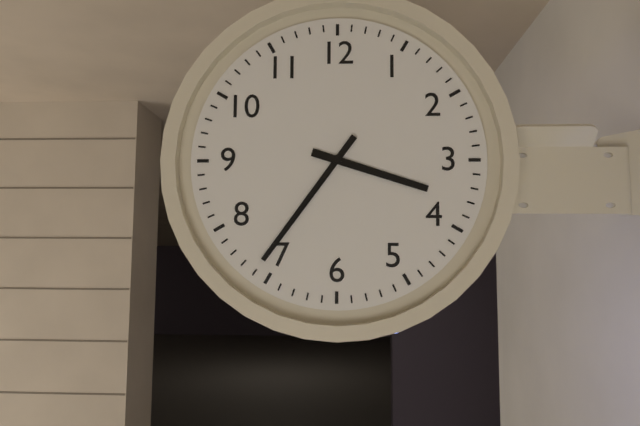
3.36
